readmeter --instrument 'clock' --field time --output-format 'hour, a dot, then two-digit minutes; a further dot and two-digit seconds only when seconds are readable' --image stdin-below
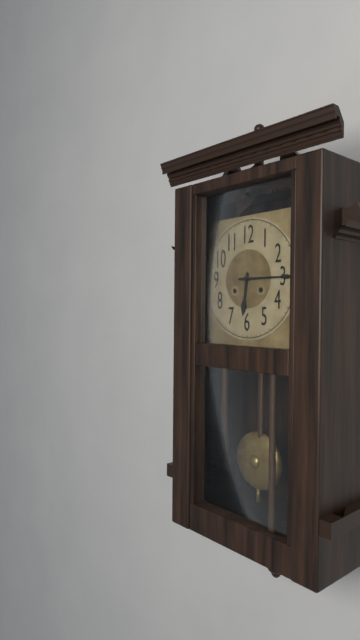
6.15
